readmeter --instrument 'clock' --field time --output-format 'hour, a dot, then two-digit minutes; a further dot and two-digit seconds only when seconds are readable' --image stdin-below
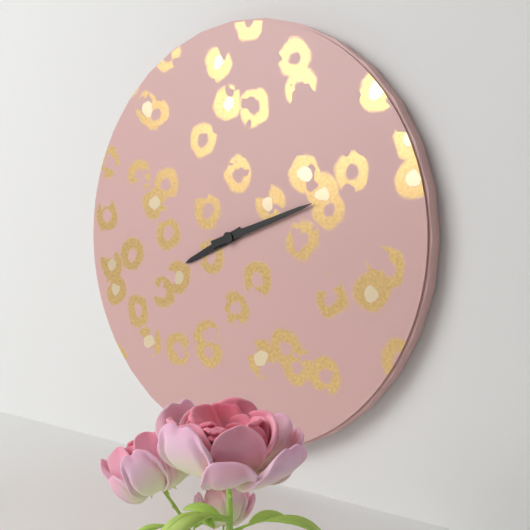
8.12
